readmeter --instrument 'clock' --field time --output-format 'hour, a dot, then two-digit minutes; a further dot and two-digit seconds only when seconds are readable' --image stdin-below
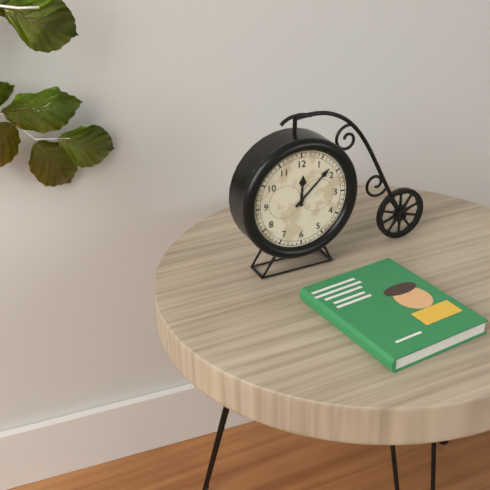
12.08
